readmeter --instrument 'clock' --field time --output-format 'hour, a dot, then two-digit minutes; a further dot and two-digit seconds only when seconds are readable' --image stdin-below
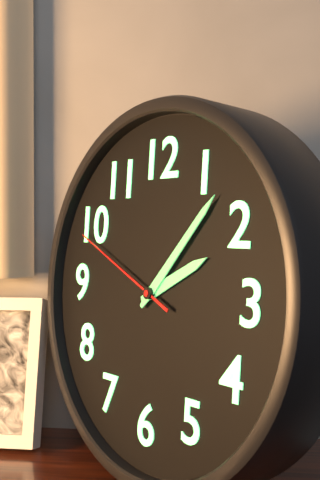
2.07.49
